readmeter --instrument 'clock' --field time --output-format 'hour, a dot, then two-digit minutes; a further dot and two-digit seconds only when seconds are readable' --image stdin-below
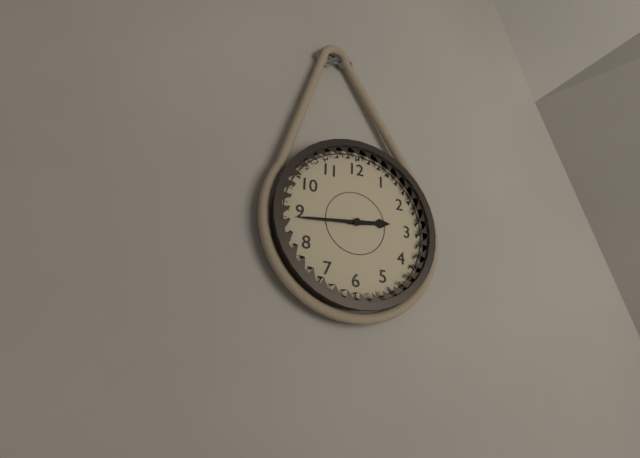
2.44
